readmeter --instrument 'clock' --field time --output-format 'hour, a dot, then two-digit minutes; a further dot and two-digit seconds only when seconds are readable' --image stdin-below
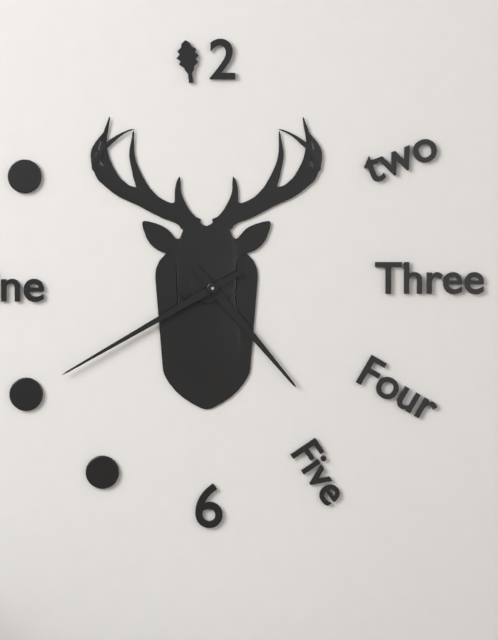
4.40
